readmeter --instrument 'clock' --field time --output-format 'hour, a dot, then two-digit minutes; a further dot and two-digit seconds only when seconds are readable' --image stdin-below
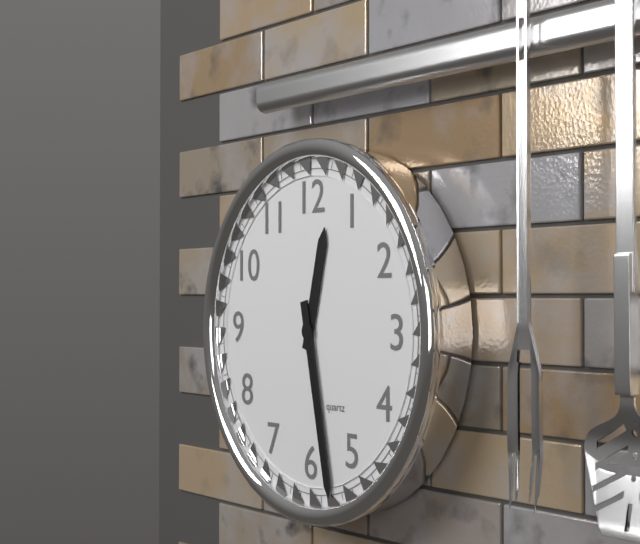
12.28
